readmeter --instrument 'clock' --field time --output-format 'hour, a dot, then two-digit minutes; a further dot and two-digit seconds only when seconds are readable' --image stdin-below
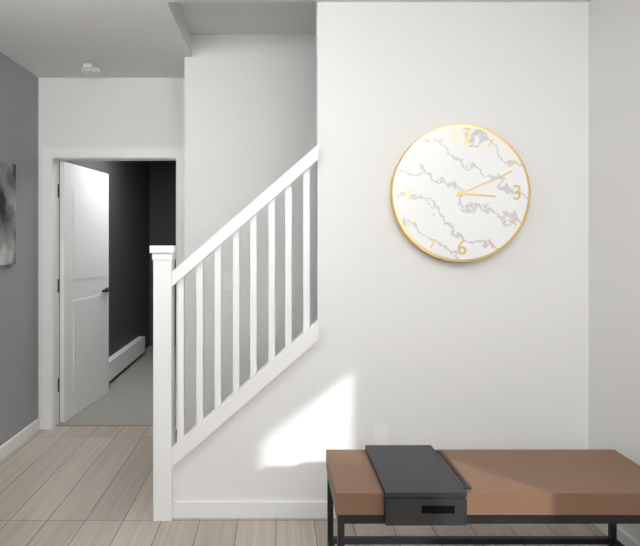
3.11
